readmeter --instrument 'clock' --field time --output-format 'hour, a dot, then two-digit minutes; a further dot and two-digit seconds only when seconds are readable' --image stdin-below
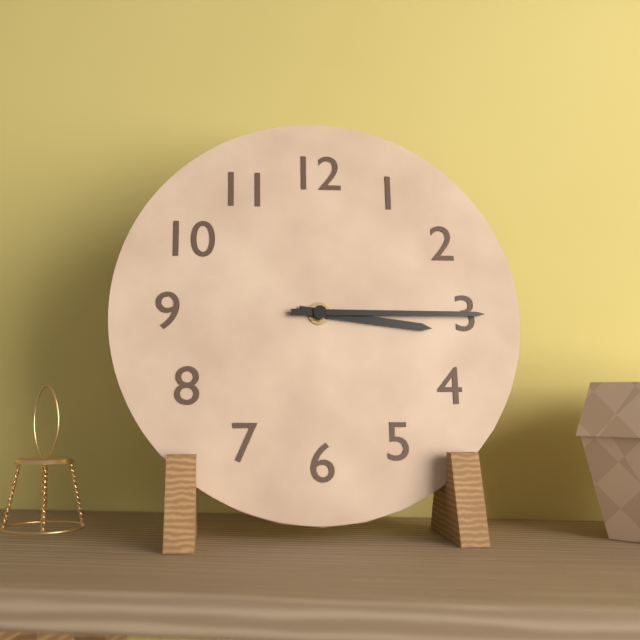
3.15
